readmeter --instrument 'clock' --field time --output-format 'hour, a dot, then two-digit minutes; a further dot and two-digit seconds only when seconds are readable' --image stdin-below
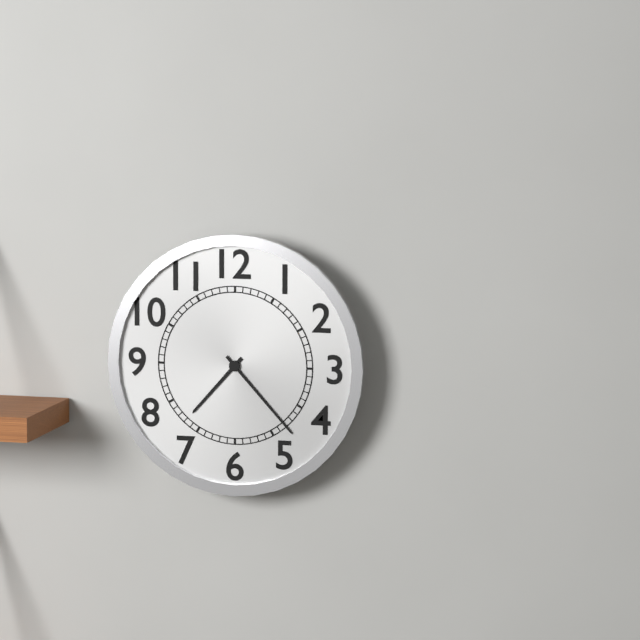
7.23
